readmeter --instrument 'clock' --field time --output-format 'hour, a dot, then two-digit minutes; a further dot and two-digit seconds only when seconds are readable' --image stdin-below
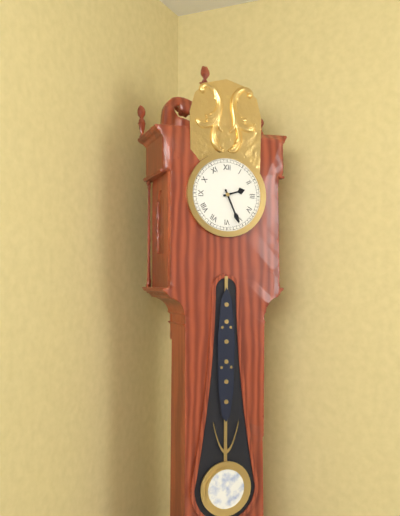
2.26
